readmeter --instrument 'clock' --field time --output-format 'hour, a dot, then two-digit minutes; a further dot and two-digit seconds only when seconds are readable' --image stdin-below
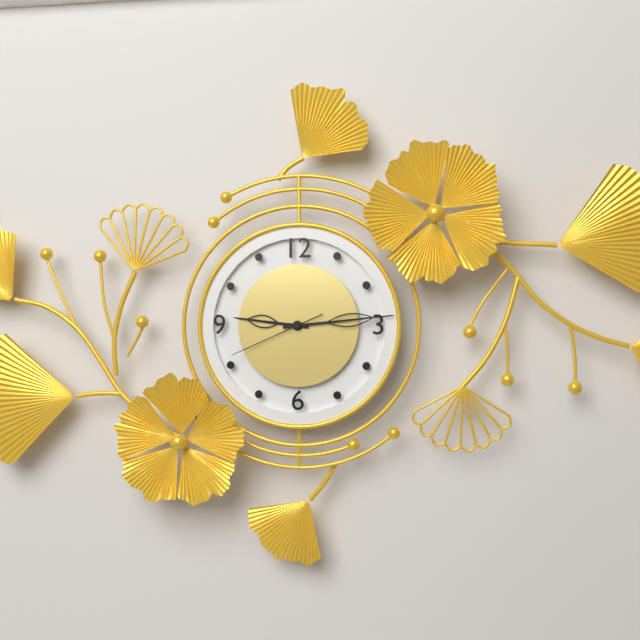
9.14.41
